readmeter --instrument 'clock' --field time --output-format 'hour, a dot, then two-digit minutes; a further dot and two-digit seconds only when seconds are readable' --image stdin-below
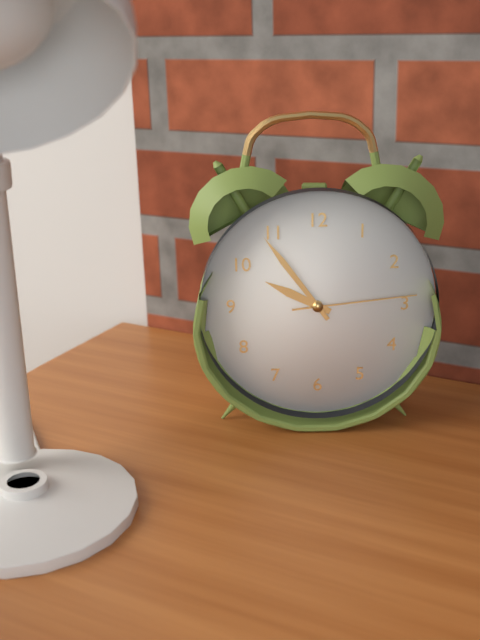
9.54.14
